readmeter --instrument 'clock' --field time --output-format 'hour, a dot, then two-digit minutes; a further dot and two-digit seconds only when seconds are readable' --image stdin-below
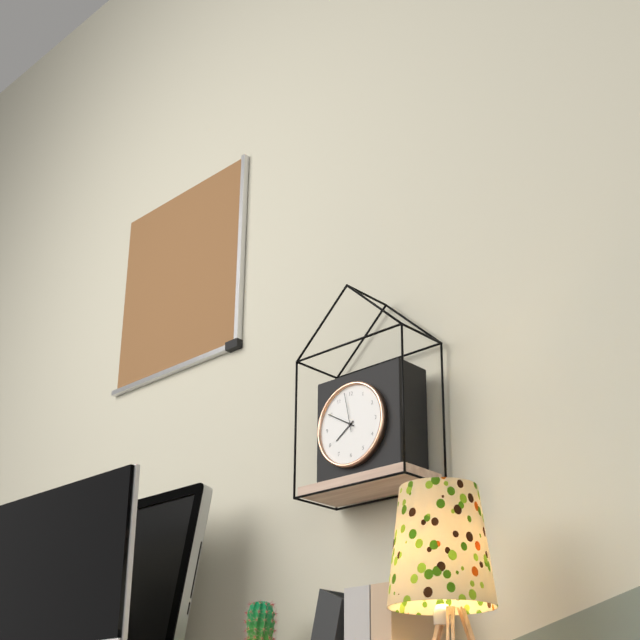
7.50
